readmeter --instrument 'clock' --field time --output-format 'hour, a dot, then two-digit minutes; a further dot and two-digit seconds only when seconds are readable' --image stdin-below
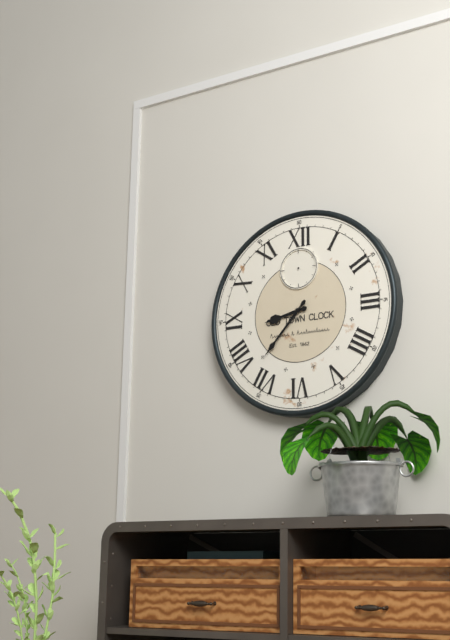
8.37
